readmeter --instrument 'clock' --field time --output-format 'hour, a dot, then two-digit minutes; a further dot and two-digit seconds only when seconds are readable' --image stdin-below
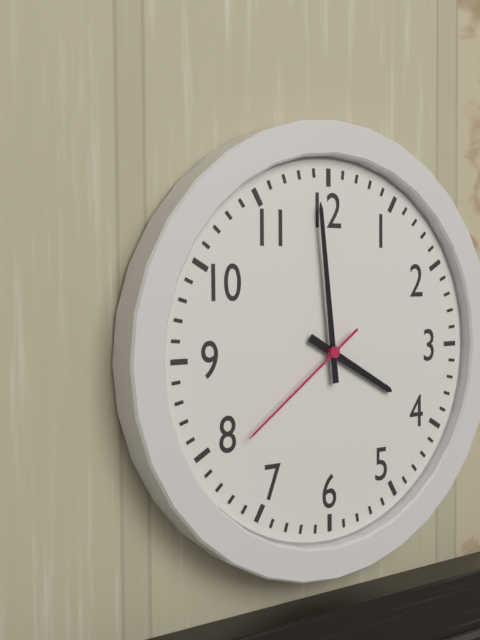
3.59.39
